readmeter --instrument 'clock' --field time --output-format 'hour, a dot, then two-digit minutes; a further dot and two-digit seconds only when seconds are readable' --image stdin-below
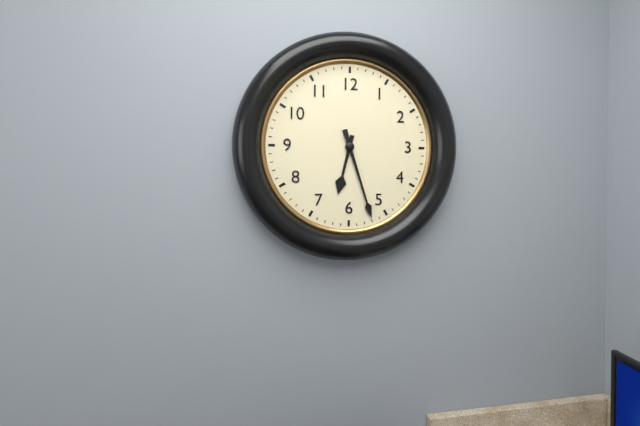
6.27
